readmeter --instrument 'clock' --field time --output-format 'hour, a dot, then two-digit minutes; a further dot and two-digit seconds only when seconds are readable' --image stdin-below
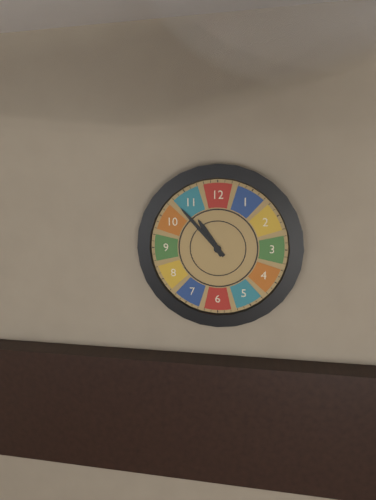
10.53
